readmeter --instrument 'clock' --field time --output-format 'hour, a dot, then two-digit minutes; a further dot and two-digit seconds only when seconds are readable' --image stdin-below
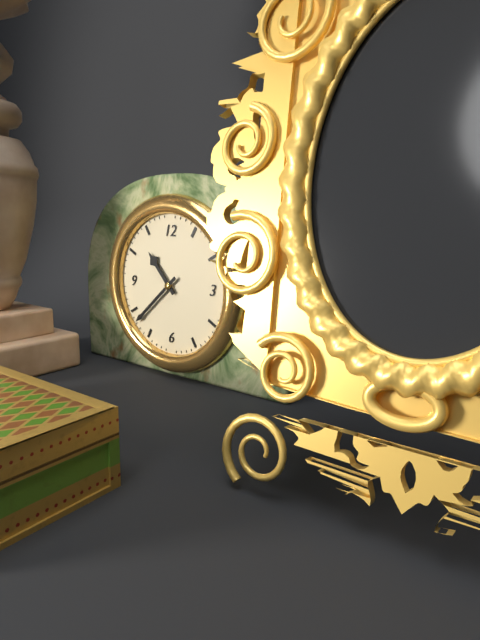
10.38
